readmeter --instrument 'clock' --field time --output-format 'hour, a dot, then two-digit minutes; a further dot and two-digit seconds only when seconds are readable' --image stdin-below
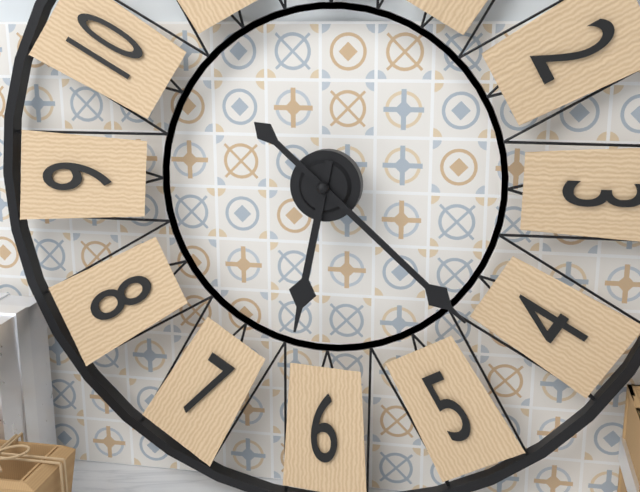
6.22
